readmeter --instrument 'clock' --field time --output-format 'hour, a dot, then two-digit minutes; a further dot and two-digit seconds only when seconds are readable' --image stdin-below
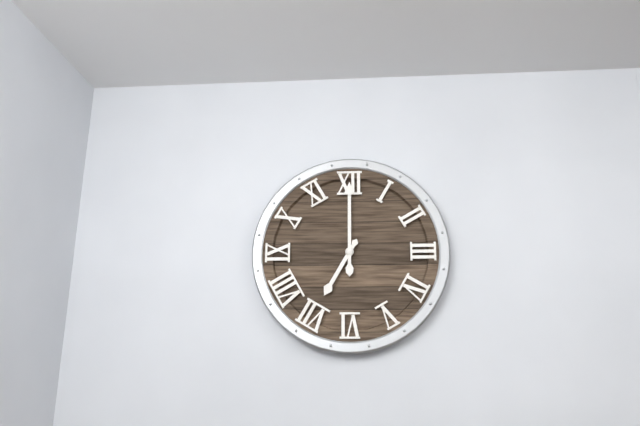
7.00
